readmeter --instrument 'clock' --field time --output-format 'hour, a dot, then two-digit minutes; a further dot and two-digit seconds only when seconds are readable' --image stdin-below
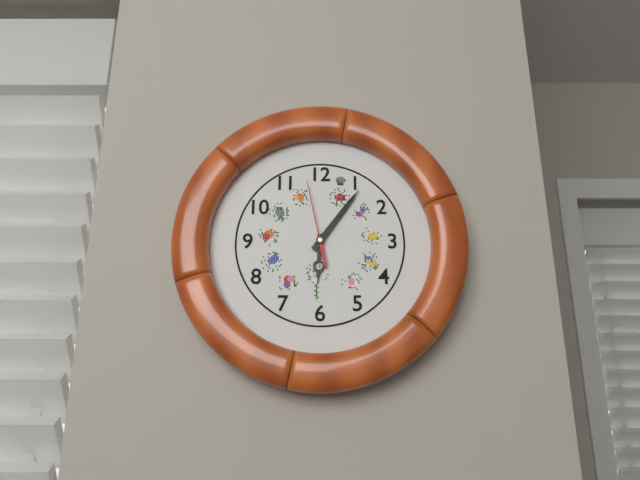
6.06.58
